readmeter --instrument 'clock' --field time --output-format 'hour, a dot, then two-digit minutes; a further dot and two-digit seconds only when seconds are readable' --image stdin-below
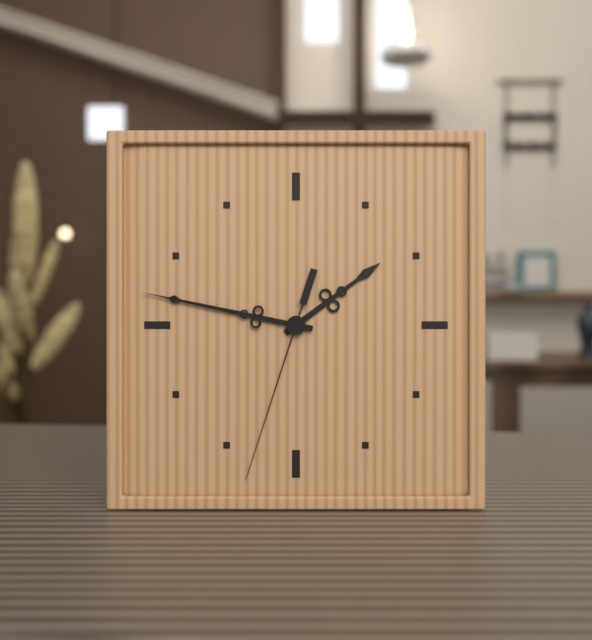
1.47.33
